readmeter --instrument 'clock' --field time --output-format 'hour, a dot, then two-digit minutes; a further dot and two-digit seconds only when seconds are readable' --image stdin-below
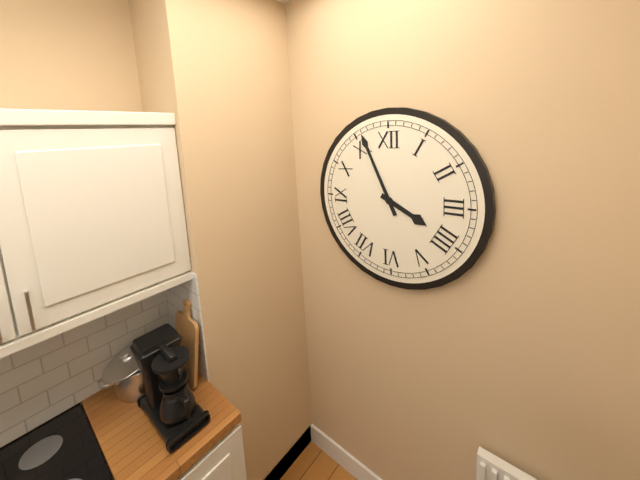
3.56
